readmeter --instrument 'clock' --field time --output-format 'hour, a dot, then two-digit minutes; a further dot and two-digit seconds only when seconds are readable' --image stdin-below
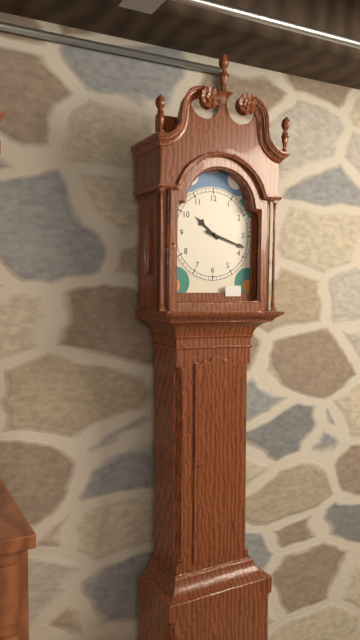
10.18
